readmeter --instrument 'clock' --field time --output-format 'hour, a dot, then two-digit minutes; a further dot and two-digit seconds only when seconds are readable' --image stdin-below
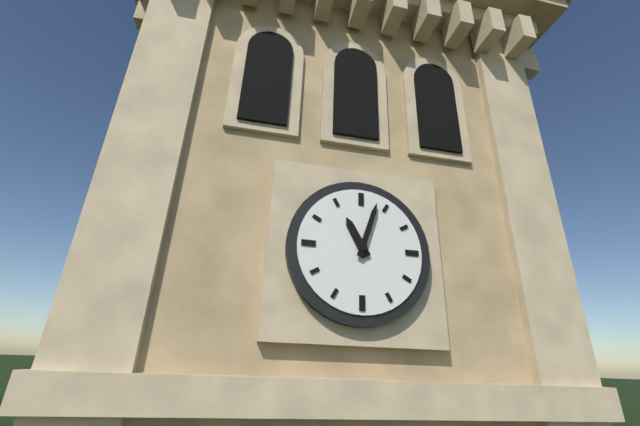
11.03
